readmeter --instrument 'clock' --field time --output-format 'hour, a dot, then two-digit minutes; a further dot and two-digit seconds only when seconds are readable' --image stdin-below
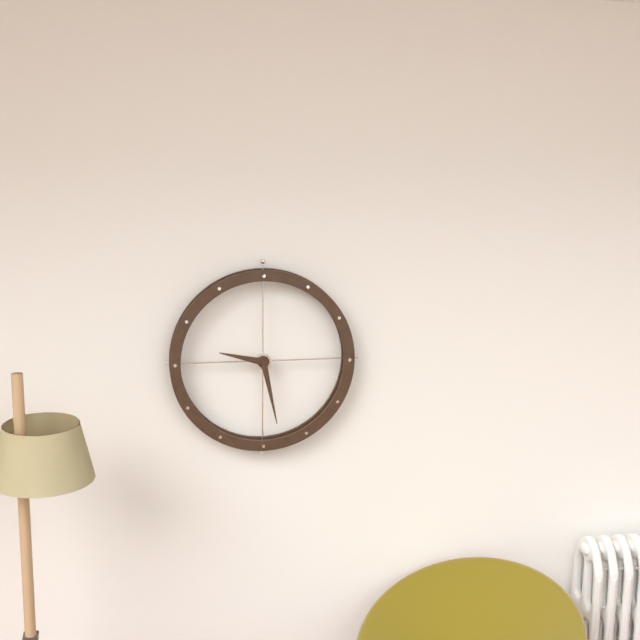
9.28
